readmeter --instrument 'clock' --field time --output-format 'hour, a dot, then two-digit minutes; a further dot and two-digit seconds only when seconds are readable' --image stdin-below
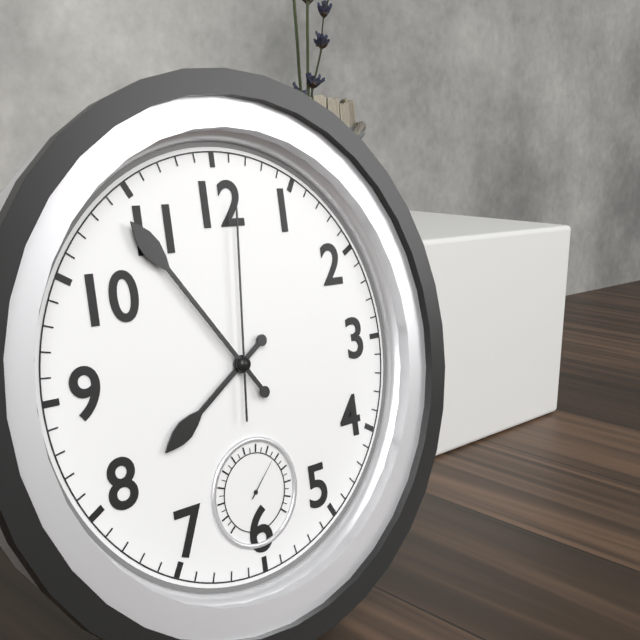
7.54.01
